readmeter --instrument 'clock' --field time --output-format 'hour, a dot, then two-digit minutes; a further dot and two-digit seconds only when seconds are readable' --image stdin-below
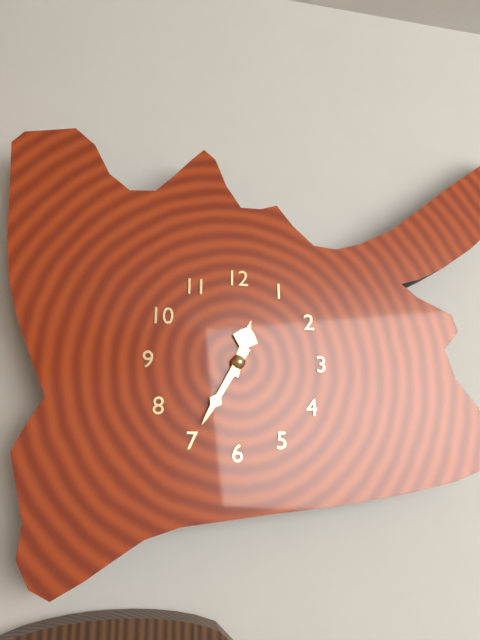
12.35
